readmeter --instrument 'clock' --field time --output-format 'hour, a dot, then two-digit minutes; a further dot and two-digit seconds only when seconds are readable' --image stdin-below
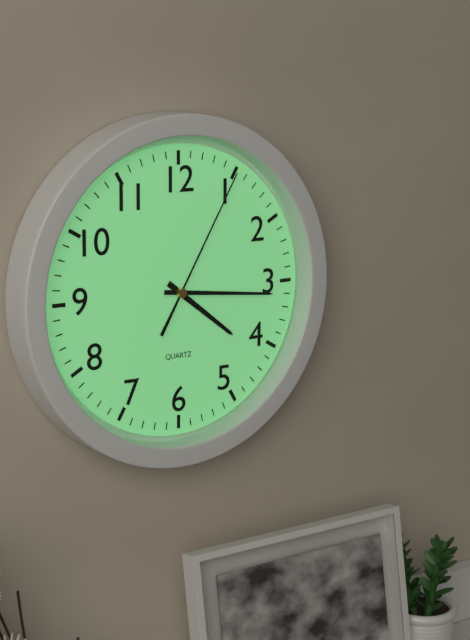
4.16.05
